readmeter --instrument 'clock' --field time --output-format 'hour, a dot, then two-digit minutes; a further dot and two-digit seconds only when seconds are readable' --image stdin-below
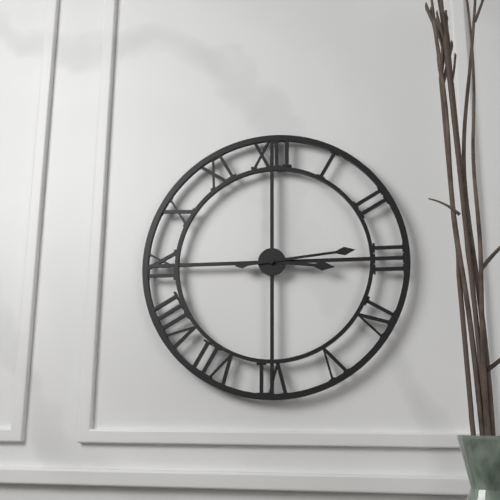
3.14
